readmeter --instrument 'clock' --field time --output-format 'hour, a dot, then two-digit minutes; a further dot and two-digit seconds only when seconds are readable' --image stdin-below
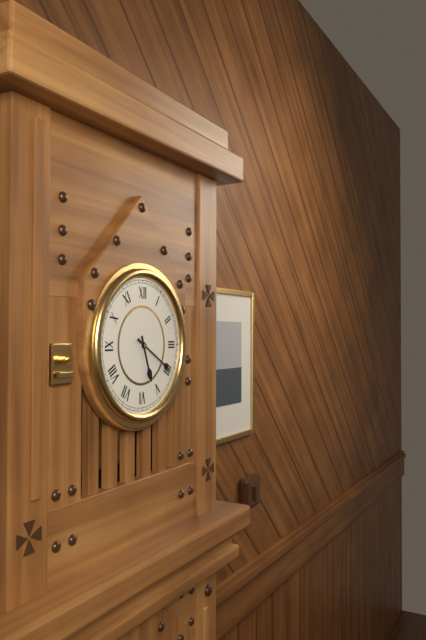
5.20
